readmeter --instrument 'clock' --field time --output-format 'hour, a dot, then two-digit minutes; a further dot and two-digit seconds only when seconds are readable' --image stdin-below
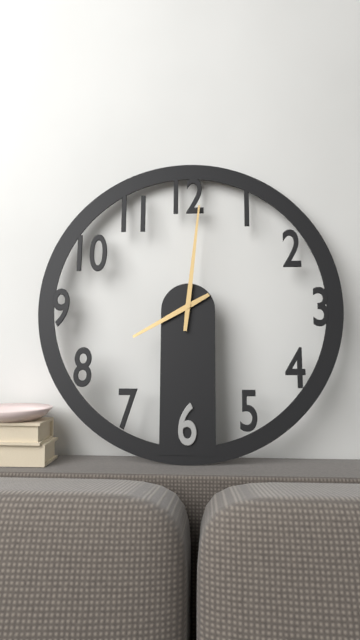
8.01
